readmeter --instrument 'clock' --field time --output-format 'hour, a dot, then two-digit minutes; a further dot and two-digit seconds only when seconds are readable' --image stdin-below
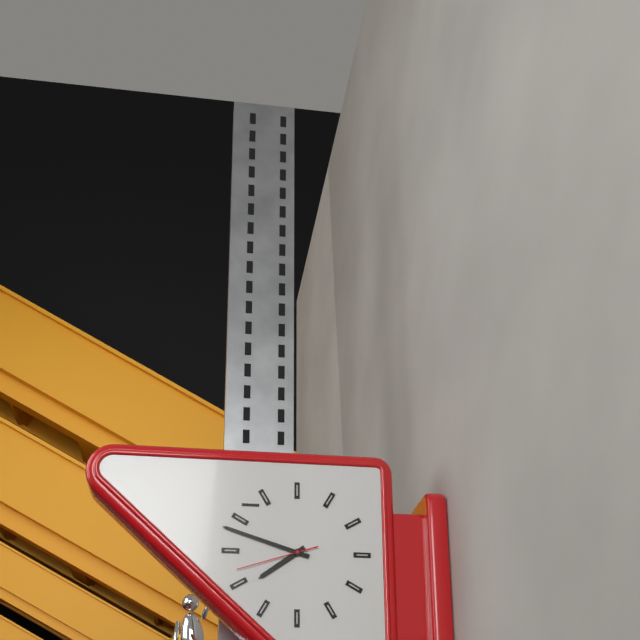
7.48.42
